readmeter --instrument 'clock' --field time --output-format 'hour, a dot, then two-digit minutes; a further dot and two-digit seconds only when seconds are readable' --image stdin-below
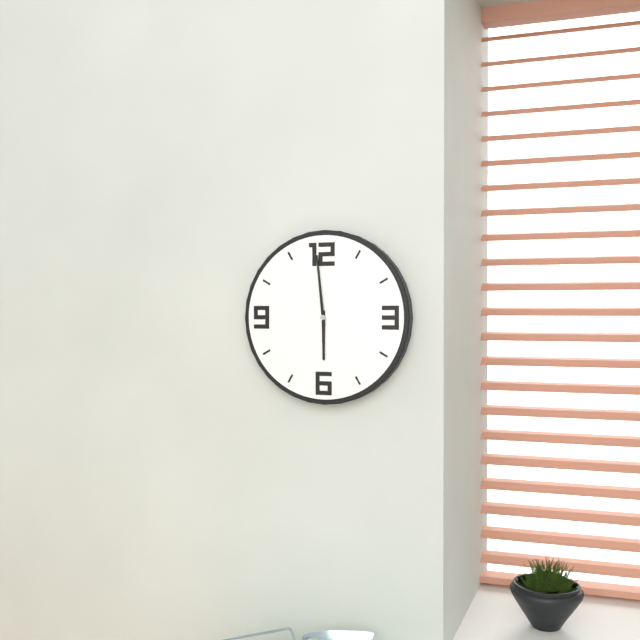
5.59
